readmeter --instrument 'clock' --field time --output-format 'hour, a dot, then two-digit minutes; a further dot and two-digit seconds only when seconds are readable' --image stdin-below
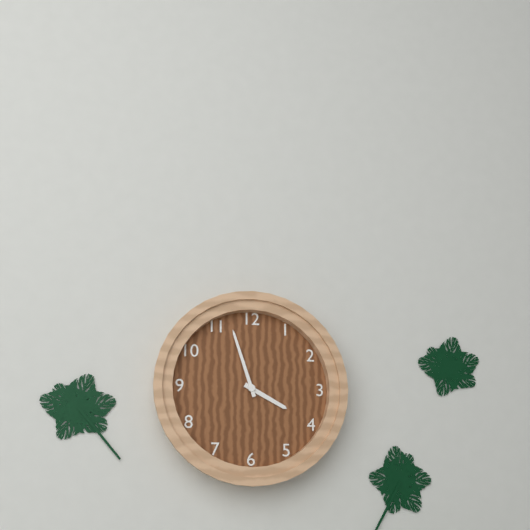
3.57
